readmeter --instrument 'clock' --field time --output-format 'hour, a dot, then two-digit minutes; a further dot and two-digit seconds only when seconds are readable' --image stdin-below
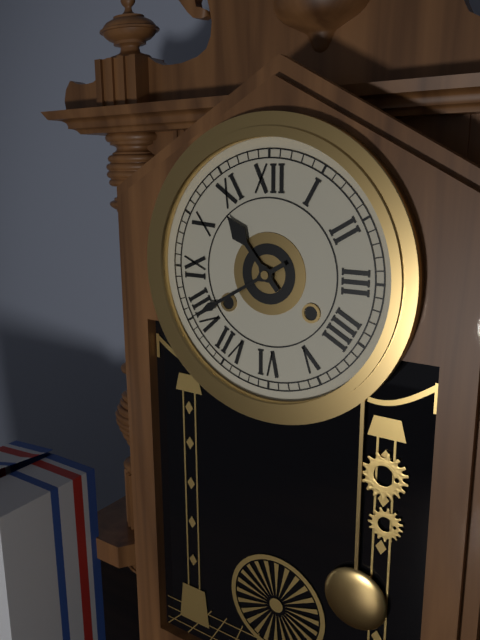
10.40
